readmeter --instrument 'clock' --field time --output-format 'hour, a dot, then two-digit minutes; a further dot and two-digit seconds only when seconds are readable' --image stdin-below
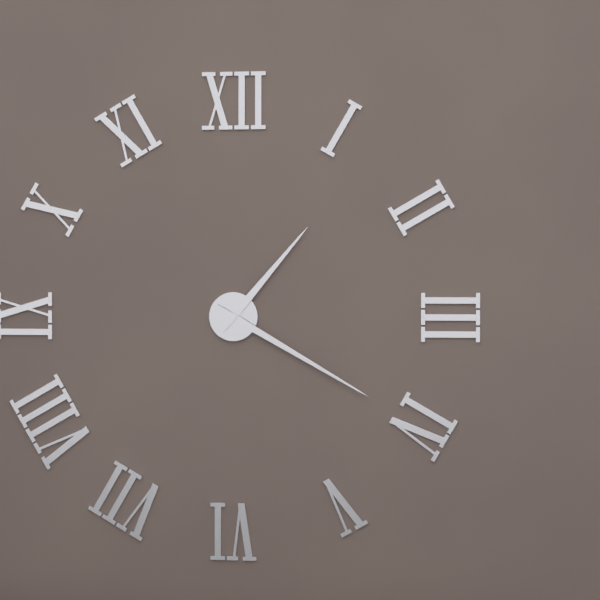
1.20
